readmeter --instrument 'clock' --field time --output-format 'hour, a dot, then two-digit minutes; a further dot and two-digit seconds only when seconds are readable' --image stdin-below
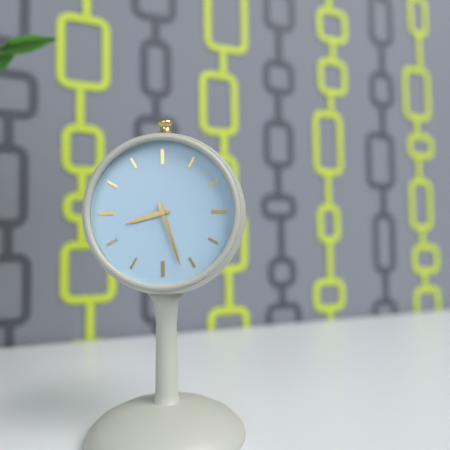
8.27
